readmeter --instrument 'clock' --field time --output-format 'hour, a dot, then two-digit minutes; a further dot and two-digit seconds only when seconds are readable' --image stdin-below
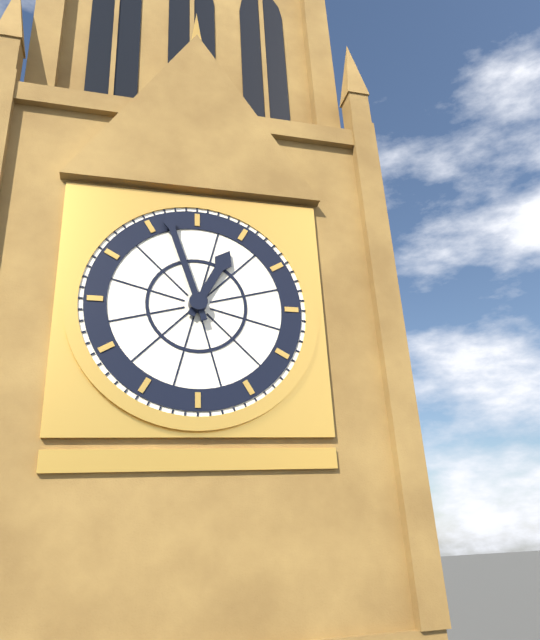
12.57
